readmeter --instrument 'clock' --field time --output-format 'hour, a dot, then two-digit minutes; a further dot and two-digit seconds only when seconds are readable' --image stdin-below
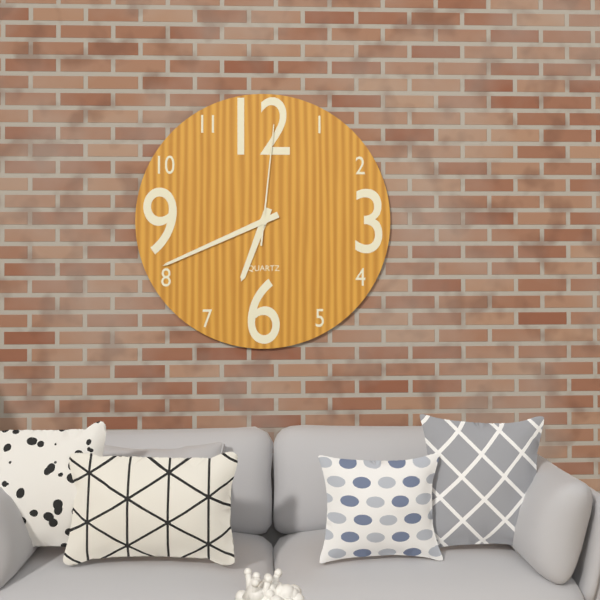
6.41.01
